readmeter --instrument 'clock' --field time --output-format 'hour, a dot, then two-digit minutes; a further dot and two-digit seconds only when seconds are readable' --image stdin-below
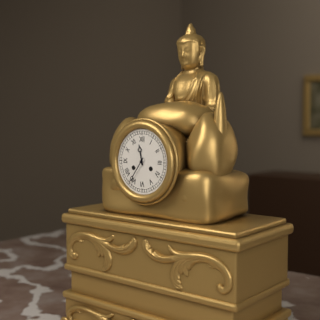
11.36
